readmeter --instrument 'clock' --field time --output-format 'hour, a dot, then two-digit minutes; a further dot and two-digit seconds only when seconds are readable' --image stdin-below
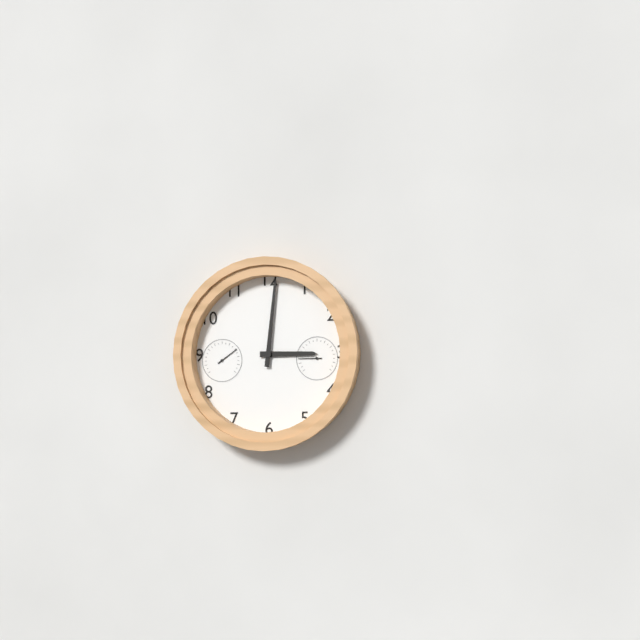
3.01
